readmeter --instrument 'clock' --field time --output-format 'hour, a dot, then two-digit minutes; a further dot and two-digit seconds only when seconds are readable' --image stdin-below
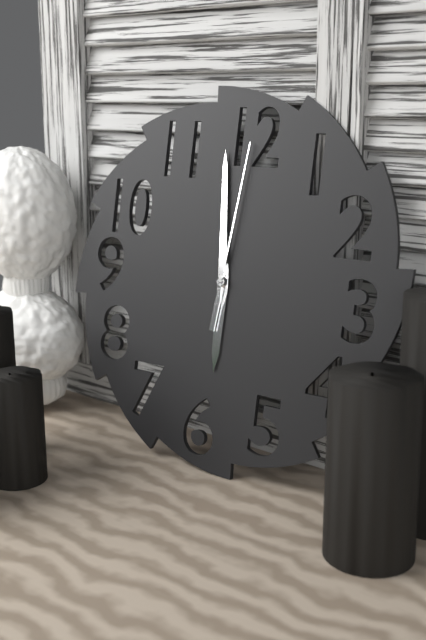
5.59.01
